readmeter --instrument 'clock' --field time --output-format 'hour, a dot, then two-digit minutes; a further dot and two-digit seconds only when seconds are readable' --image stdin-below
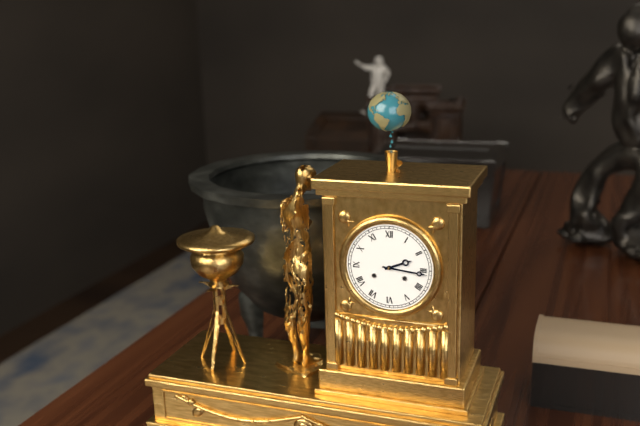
2.16
